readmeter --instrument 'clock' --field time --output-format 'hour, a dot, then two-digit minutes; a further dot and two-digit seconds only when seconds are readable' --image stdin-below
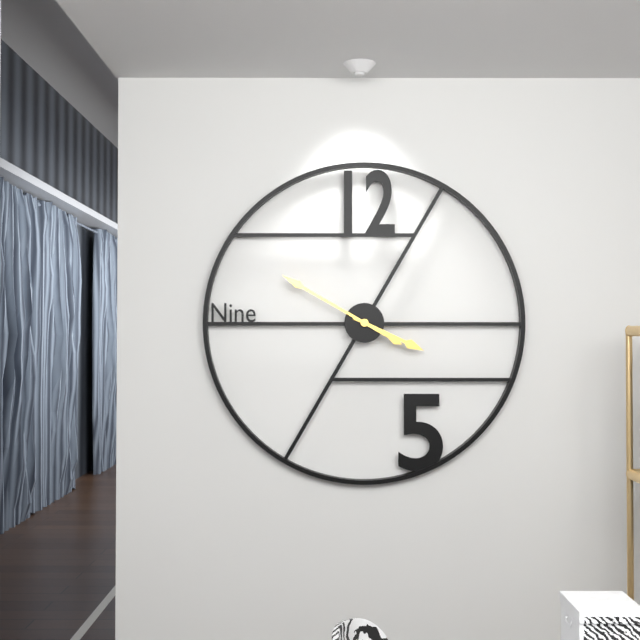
3.50
